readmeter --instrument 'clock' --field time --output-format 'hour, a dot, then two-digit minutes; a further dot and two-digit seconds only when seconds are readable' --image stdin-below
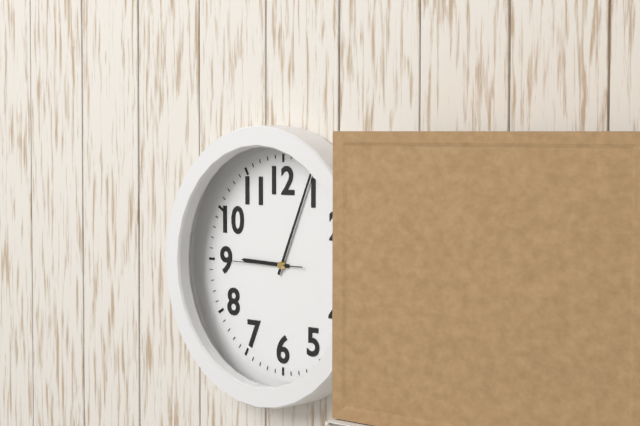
9.04.45
